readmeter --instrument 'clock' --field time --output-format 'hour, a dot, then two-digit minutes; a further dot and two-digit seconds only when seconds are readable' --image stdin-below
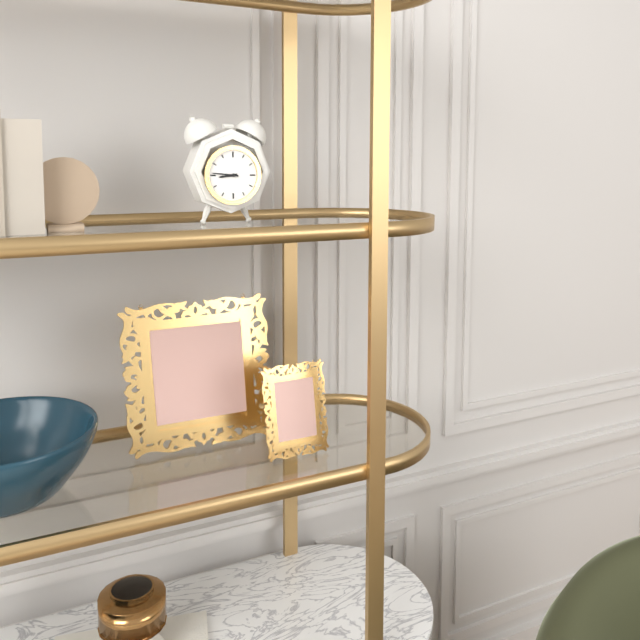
8.46
